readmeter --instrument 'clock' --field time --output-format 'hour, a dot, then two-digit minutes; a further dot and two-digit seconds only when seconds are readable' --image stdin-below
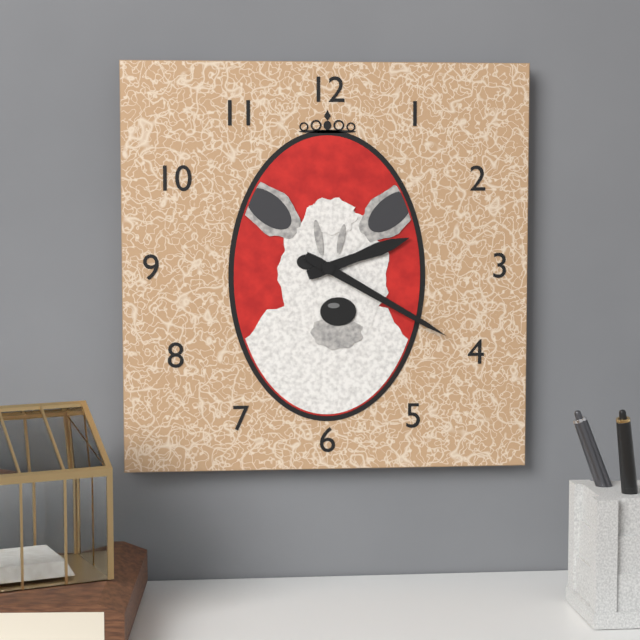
2.20
